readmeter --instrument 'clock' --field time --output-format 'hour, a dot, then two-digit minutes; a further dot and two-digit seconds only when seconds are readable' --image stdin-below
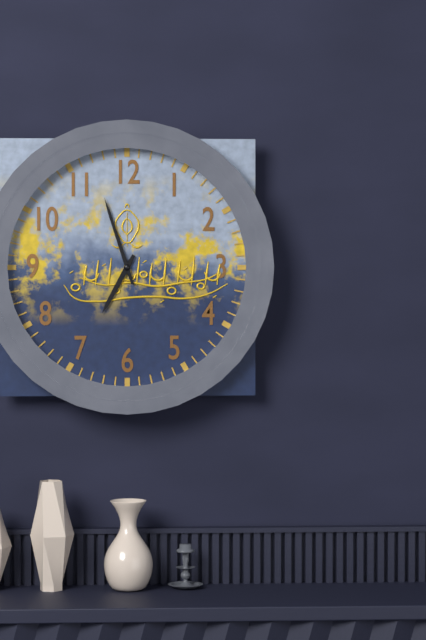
6.57
